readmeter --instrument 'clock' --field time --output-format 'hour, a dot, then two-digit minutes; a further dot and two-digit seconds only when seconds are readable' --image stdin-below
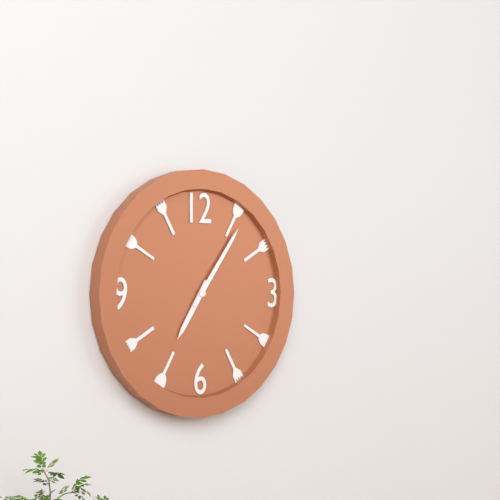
7.06
